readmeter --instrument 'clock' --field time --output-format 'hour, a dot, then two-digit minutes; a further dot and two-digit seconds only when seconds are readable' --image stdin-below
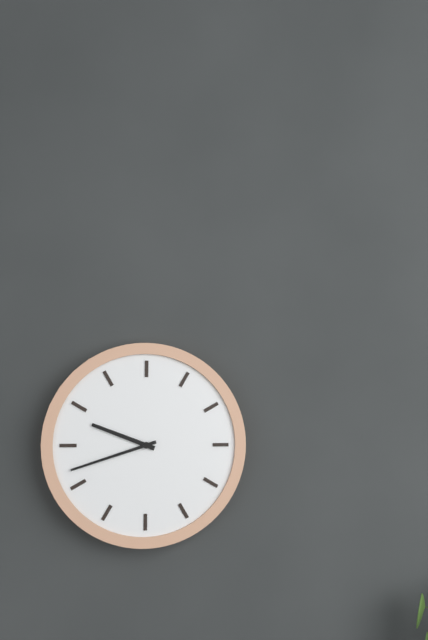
9.42
